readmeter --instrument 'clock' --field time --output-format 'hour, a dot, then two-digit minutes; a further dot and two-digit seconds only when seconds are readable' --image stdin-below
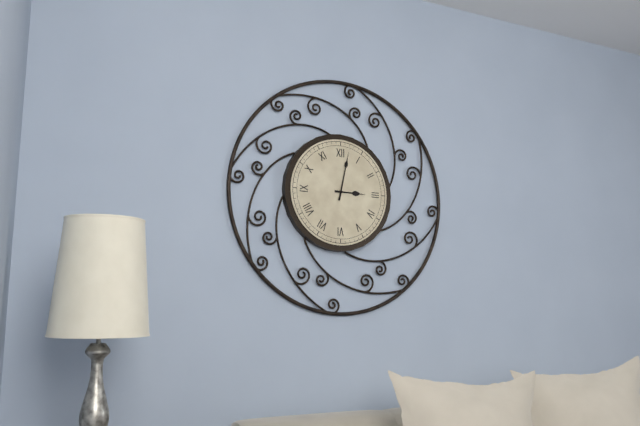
3.02
